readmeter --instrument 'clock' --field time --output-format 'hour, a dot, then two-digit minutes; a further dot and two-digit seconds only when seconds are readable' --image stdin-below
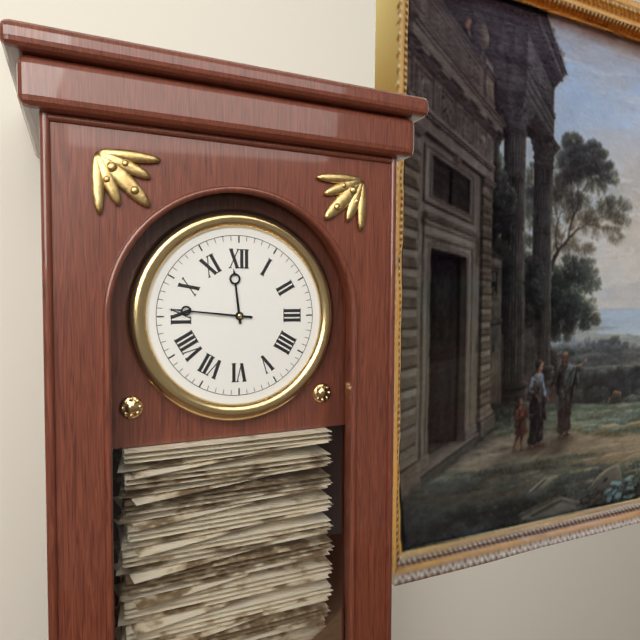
11.46
